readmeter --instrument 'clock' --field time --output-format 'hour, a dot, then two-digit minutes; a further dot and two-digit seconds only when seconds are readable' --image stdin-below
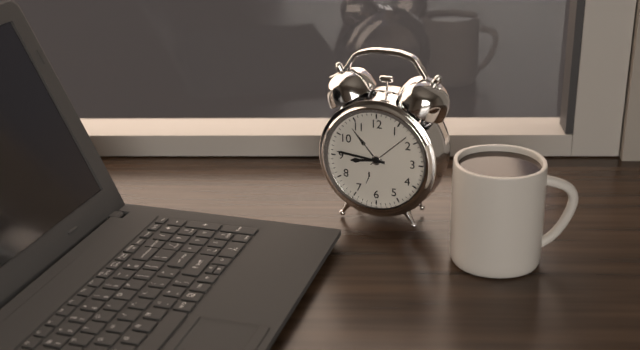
8.46
